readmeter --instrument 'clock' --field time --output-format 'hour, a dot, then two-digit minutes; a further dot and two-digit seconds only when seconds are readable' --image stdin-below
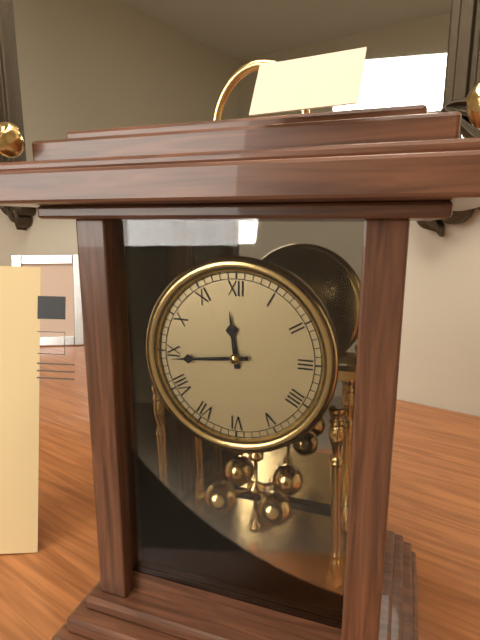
11.44
